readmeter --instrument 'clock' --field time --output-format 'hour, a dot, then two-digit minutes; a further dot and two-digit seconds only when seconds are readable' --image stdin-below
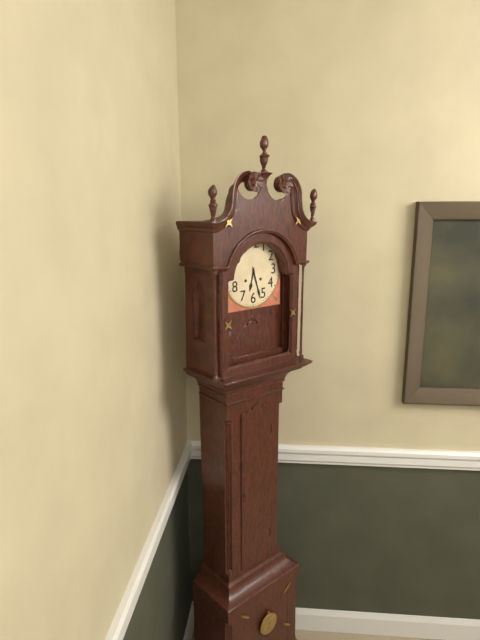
6.27
